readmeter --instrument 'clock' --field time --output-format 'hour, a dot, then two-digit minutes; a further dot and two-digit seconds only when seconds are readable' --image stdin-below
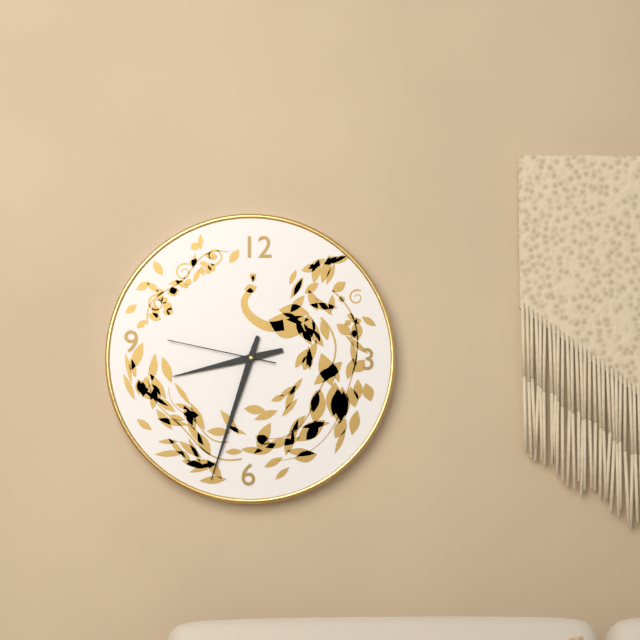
8.33.47
